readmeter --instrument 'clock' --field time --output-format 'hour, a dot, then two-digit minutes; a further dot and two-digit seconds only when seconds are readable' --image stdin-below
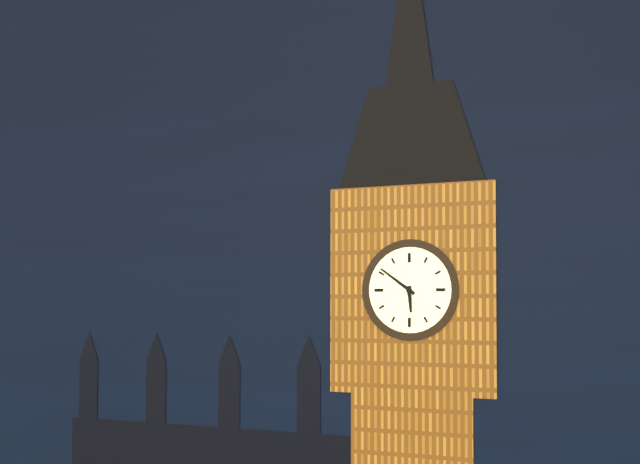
5.51
